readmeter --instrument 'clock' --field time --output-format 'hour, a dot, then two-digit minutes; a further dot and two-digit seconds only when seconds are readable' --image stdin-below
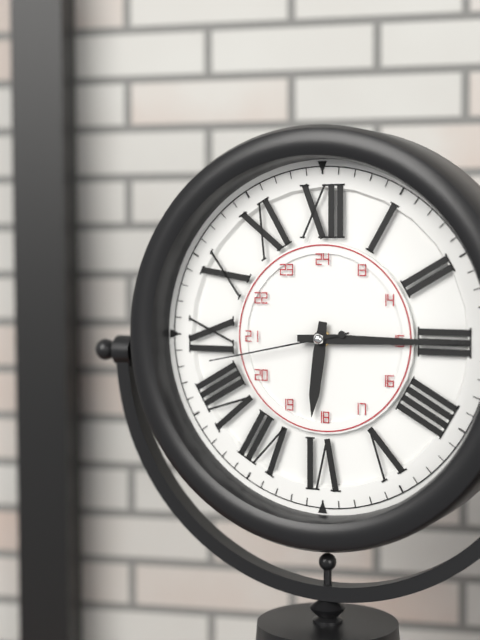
6.15.43
